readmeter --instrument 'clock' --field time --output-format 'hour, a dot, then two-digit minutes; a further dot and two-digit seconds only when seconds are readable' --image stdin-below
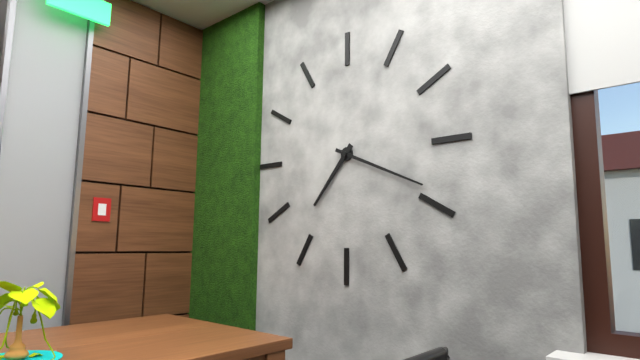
7.19
